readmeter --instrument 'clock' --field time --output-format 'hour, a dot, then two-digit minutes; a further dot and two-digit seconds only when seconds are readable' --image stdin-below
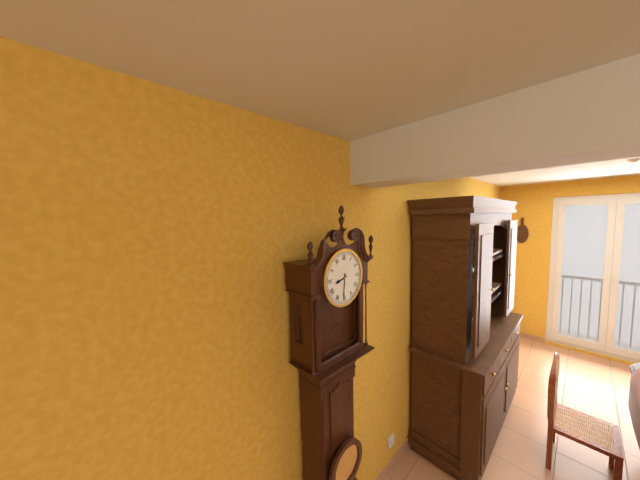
8.31
